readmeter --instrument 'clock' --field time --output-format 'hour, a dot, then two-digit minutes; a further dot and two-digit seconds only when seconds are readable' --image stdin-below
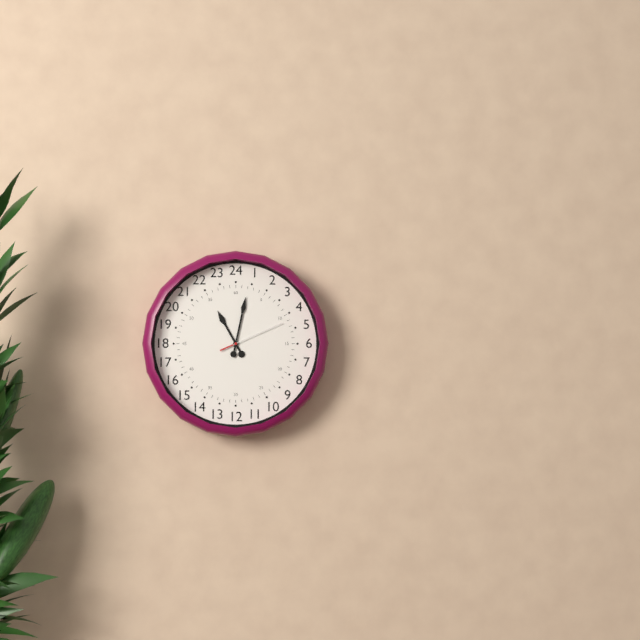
11.02.11
